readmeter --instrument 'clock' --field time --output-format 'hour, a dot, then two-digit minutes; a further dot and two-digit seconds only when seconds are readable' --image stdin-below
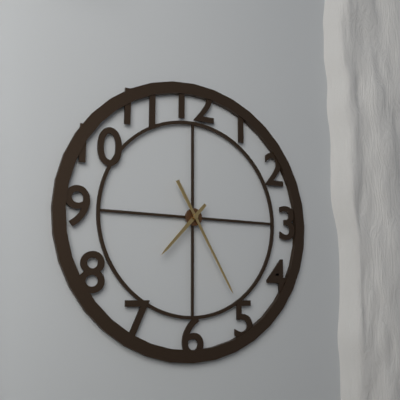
7.25
